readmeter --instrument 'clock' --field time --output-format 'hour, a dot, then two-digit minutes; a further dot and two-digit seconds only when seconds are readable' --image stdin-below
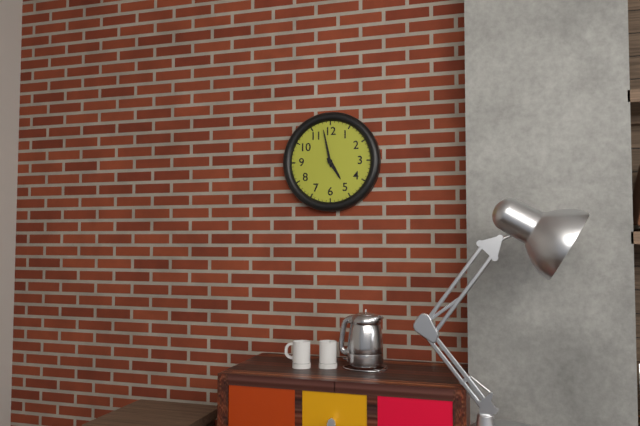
4.58
